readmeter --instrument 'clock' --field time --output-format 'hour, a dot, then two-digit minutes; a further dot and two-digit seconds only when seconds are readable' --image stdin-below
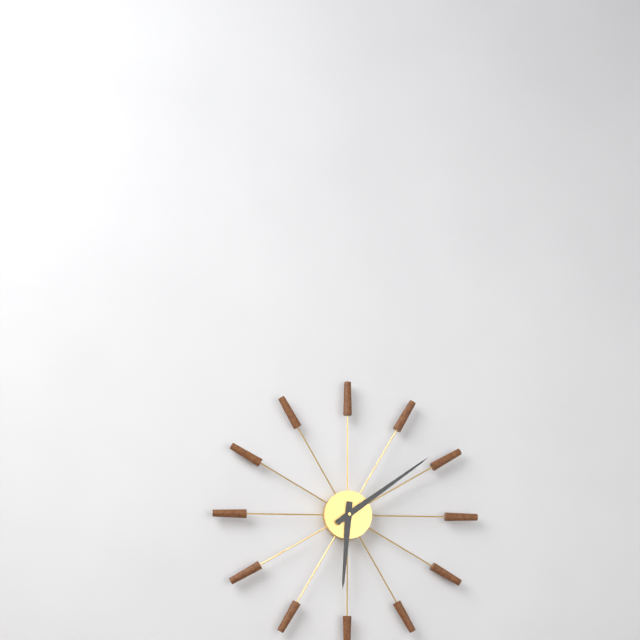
6.09
